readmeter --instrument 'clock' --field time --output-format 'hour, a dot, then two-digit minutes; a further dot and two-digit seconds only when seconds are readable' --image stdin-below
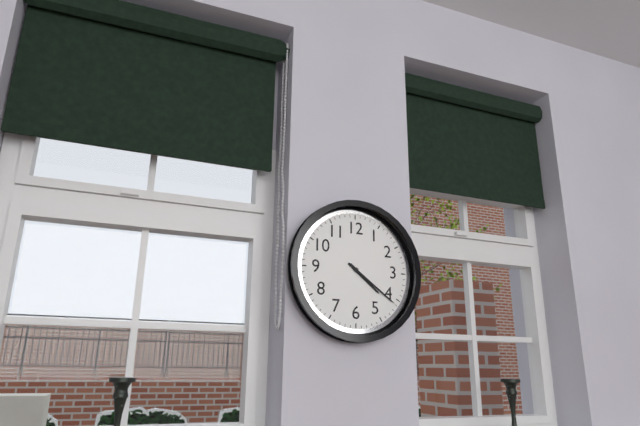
4.21
